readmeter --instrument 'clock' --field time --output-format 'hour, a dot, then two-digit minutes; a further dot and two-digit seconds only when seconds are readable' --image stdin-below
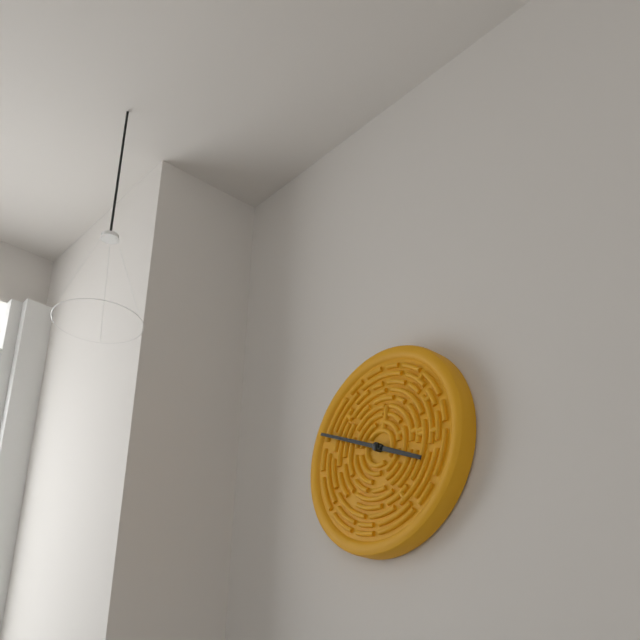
3.49
